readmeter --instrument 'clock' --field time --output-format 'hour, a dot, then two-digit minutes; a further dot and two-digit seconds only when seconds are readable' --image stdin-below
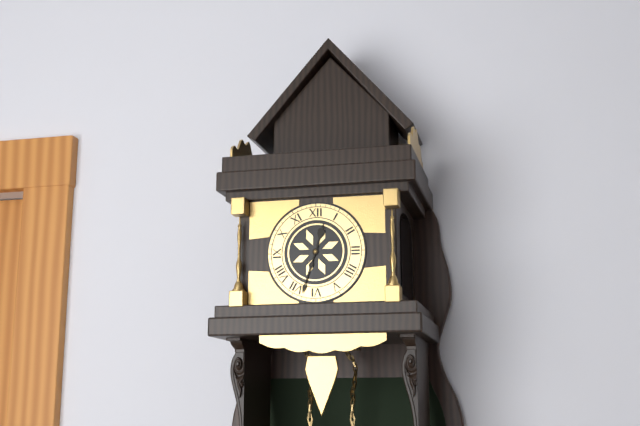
12.33
